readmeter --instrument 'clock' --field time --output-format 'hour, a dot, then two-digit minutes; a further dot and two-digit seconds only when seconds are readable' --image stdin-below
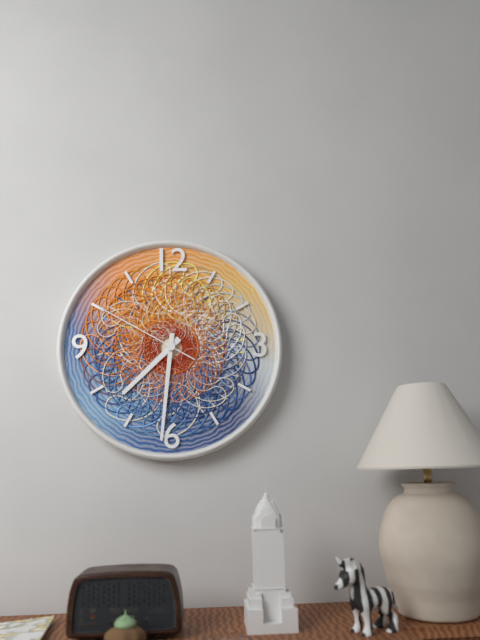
7.31.50
